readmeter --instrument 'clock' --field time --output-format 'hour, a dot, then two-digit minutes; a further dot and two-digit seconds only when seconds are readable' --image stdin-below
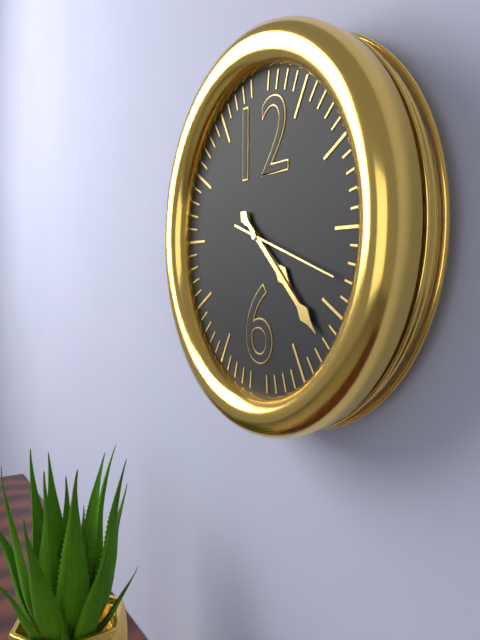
4.22.18
